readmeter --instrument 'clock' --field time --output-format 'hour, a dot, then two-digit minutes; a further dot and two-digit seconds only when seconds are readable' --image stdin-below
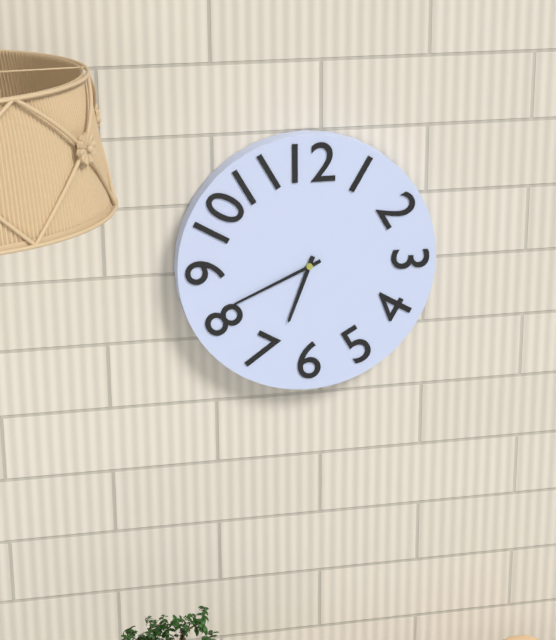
6.41
